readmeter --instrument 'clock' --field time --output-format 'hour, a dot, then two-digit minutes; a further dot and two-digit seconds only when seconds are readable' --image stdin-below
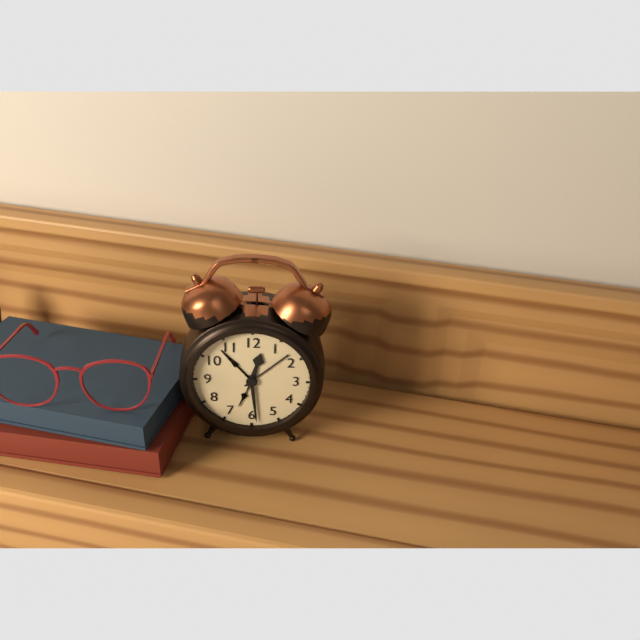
12.29
